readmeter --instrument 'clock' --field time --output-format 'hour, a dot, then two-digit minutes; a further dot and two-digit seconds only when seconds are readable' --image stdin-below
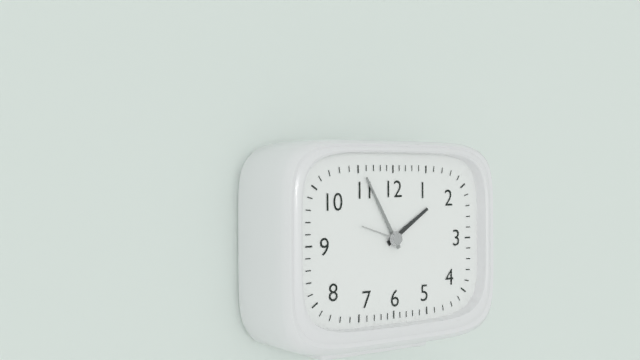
1.55
